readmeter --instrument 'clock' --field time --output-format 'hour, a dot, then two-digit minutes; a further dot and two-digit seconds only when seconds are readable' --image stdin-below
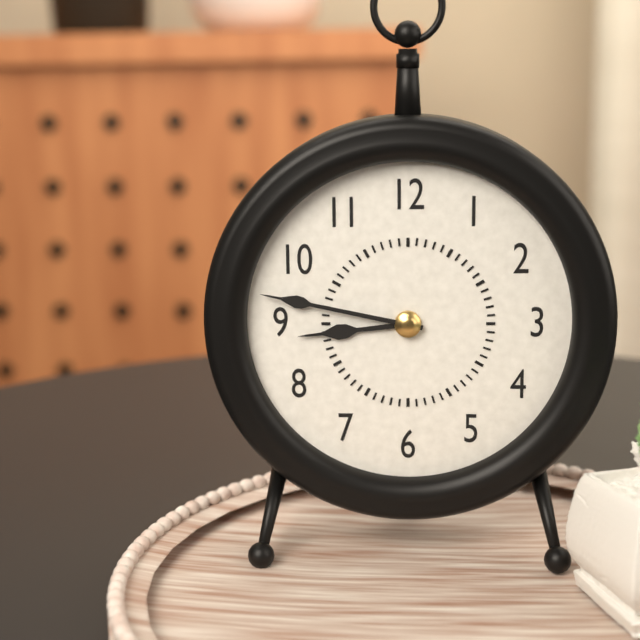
8.47
